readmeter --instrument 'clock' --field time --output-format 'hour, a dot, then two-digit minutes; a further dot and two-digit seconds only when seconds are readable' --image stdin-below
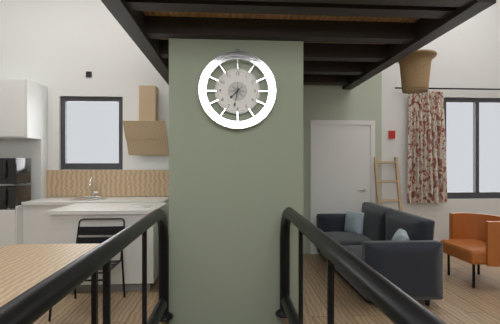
7.32
